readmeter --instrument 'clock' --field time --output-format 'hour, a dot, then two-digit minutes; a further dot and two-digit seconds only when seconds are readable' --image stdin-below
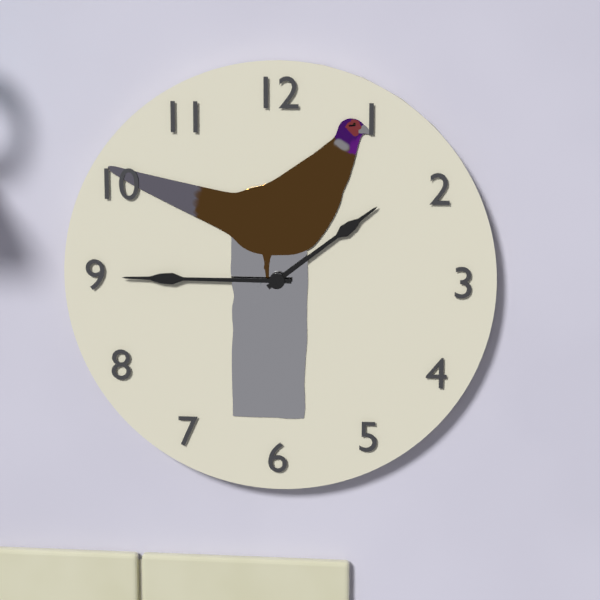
1.45
